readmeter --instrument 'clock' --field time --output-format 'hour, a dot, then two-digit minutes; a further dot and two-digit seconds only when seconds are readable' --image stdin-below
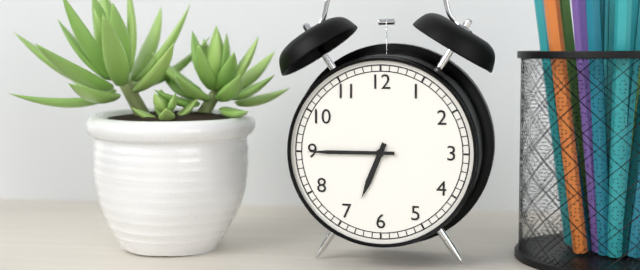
6.45
